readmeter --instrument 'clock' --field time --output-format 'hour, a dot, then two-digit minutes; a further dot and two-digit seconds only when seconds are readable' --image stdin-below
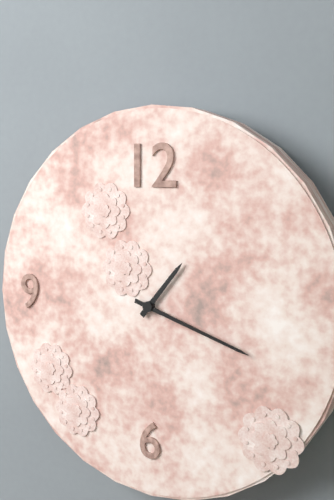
1.18
